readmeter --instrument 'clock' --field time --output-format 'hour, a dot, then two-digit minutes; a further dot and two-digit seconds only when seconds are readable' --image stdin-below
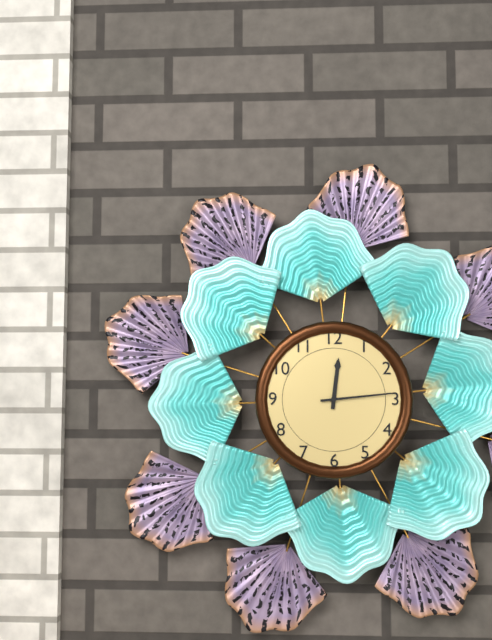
12.14
